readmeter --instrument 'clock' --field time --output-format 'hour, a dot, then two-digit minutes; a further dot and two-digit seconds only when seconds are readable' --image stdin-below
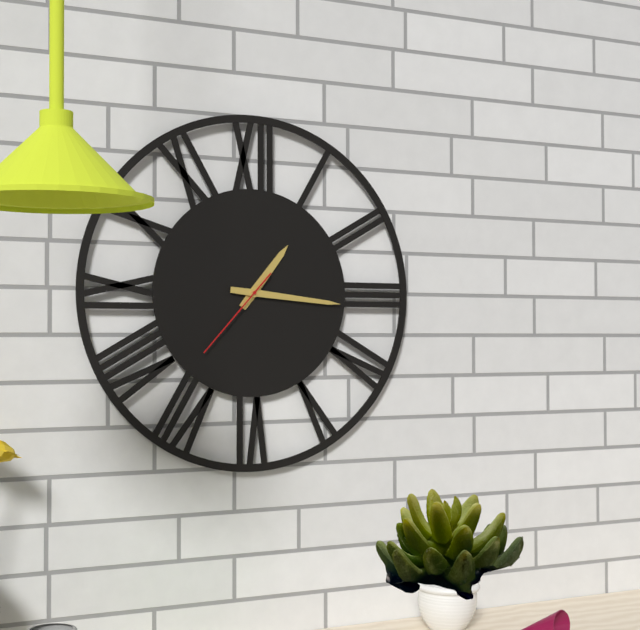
1.16.37
